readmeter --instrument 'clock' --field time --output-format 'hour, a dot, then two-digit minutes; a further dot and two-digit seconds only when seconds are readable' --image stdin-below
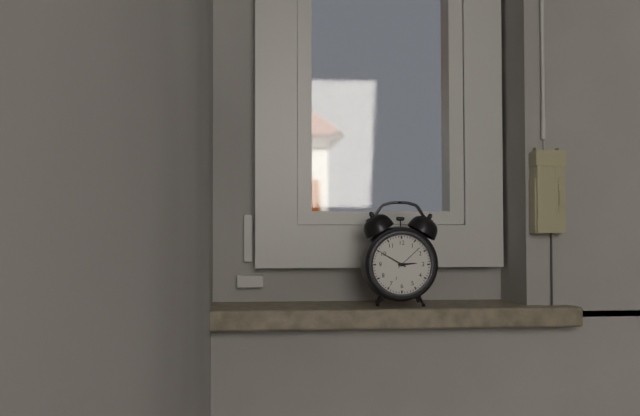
2.50
